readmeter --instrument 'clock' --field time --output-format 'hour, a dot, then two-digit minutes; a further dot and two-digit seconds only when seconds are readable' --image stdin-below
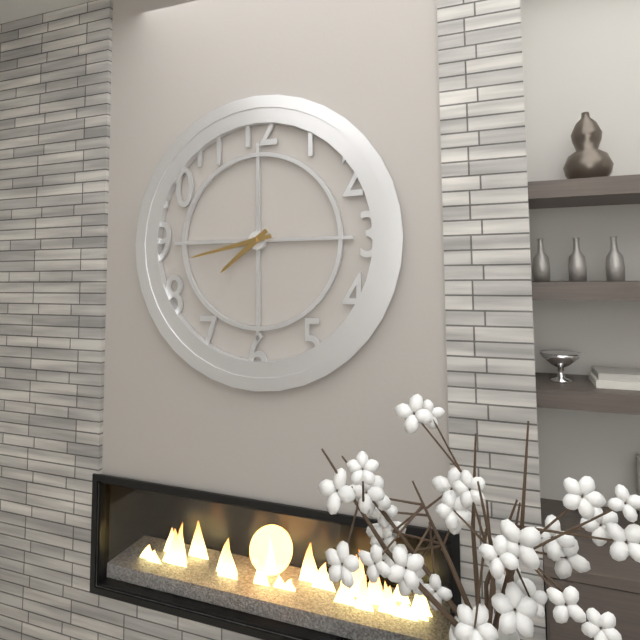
7.43
